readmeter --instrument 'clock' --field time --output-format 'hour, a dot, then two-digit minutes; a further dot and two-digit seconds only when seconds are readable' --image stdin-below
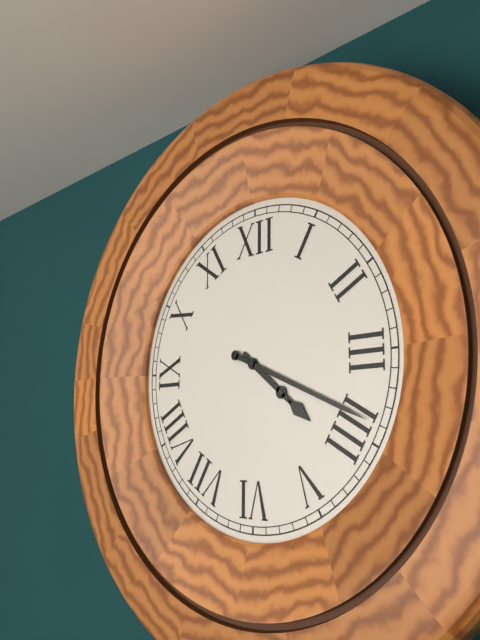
4.19
